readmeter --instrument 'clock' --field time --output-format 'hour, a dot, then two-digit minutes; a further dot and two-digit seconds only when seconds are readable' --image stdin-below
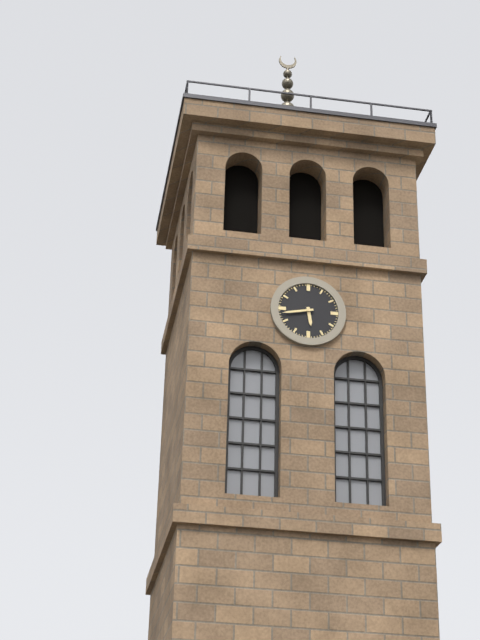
5.43
